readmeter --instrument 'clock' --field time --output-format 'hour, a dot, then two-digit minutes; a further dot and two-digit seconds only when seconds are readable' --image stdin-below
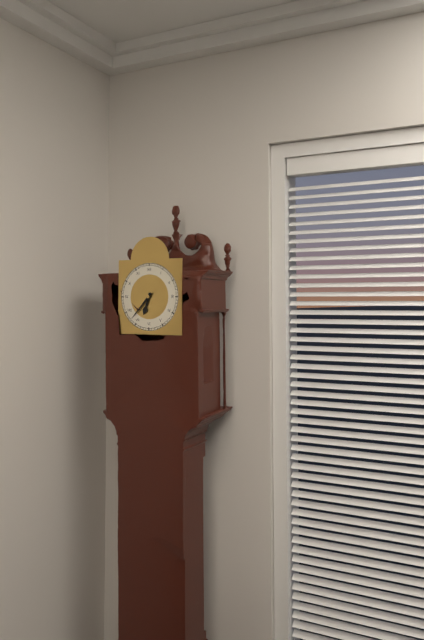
6.37
